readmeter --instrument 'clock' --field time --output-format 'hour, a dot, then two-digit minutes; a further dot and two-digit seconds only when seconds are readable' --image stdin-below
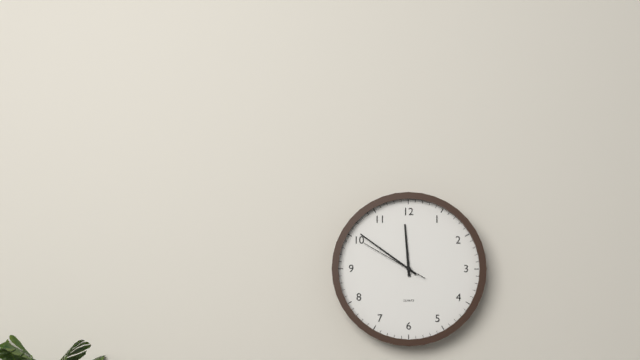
11.51.50
